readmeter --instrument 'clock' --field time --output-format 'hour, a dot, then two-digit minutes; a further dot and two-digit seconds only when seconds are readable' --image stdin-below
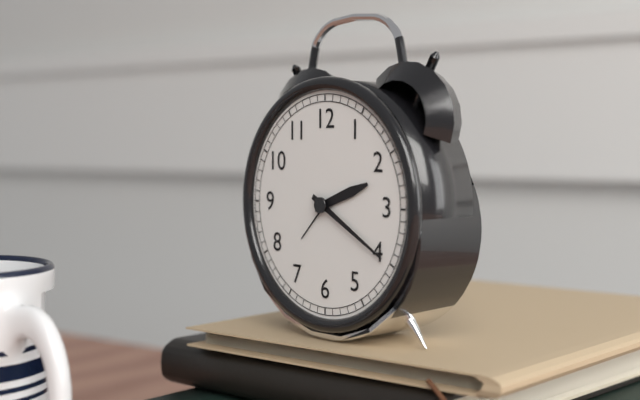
2.20
